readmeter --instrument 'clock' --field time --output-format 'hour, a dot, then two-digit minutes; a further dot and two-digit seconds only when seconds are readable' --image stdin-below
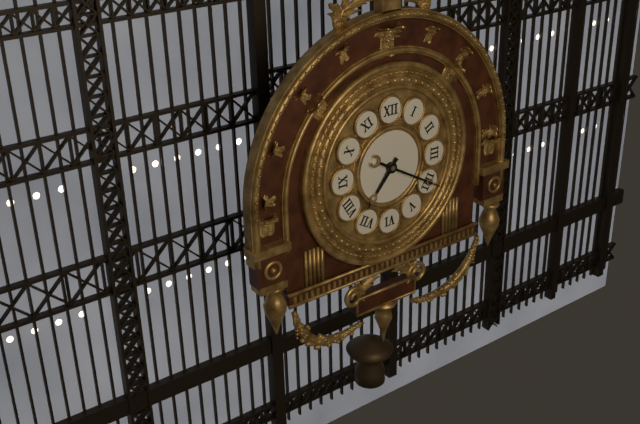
7.20
